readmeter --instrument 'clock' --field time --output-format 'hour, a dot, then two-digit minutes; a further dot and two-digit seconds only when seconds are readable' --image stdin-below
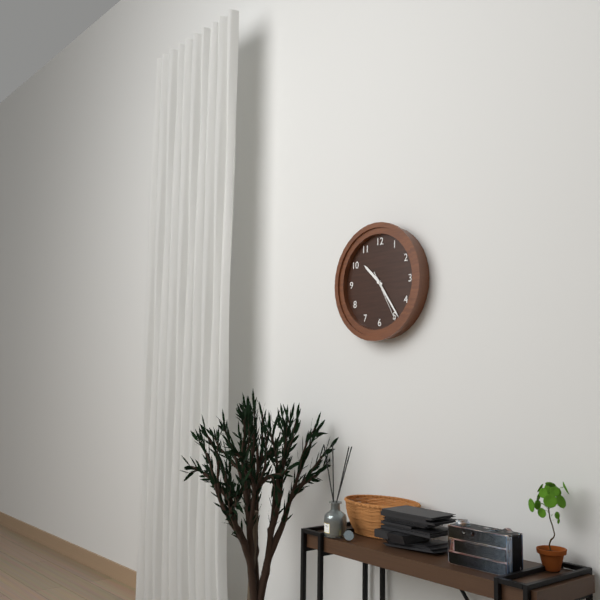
10.24.25
